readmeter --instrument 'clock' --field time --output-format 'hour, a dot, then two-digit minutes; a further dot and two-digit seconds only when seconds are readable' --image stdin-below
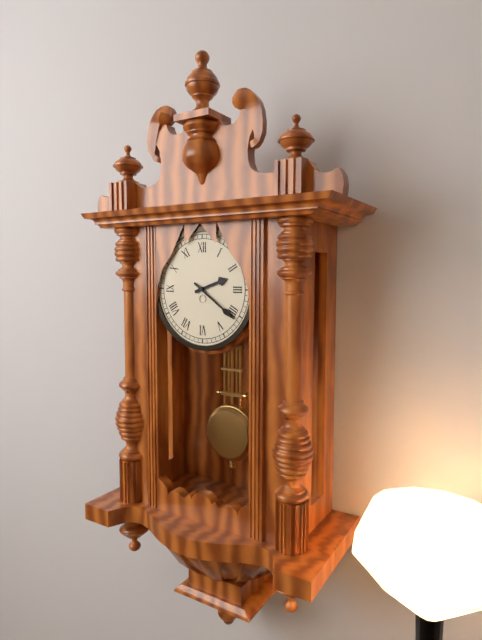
2.21
